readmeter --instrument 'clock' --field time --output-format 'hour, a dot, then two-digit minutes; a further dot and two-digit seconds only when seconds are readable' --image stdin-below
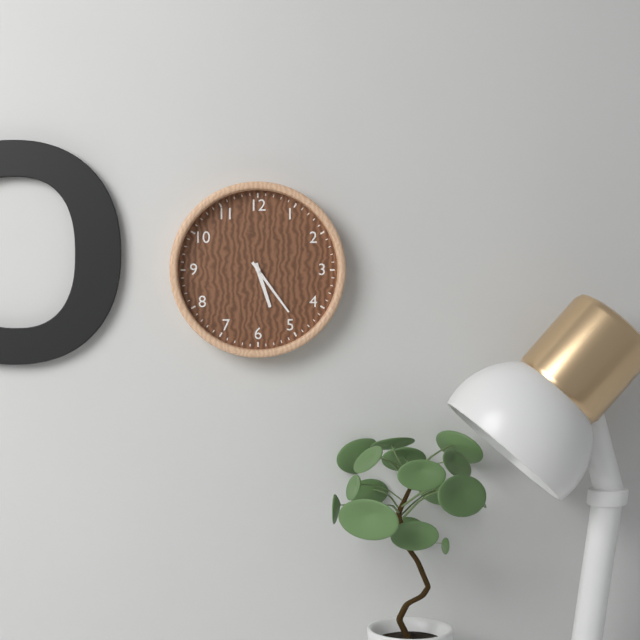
5.24
